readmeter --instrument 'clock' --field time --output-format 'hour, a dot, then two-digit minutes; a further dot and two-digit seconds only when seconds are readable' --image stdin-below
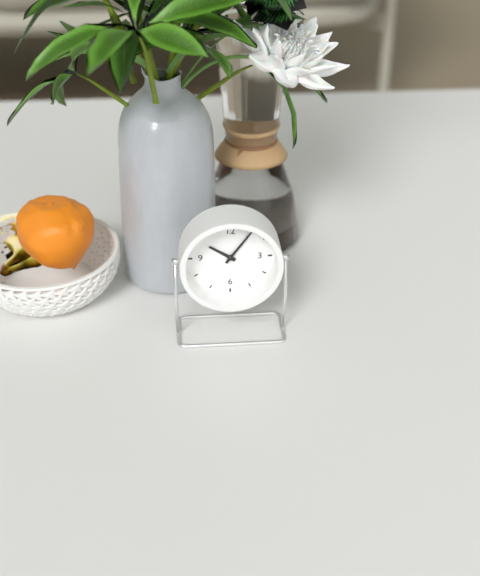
10.06
